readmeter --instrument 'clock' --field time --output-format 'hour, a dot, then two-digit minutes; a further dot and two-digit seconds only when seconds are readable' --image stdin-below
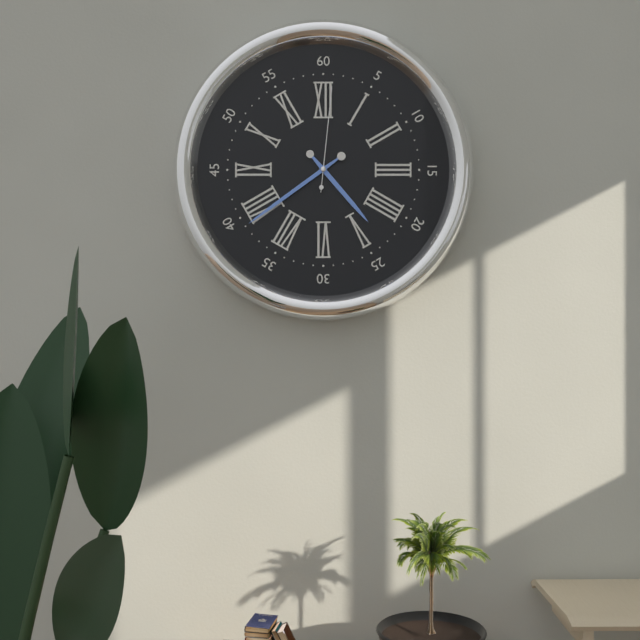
4.39.01
